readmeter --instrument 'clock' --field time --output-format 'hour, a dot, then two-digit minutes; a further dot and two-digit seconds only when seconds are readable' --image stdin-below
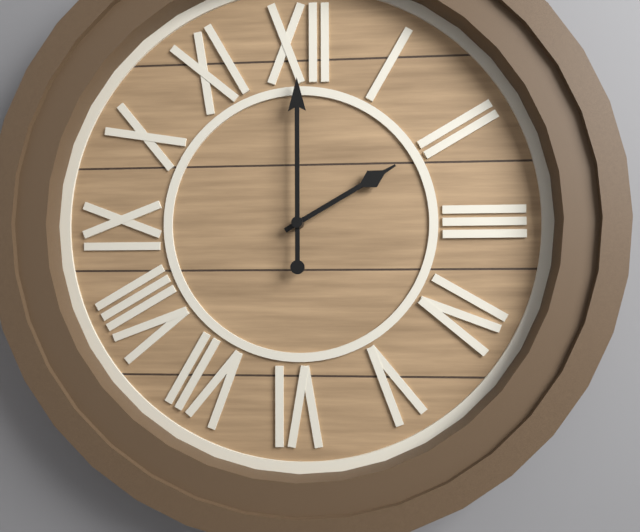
2.00
